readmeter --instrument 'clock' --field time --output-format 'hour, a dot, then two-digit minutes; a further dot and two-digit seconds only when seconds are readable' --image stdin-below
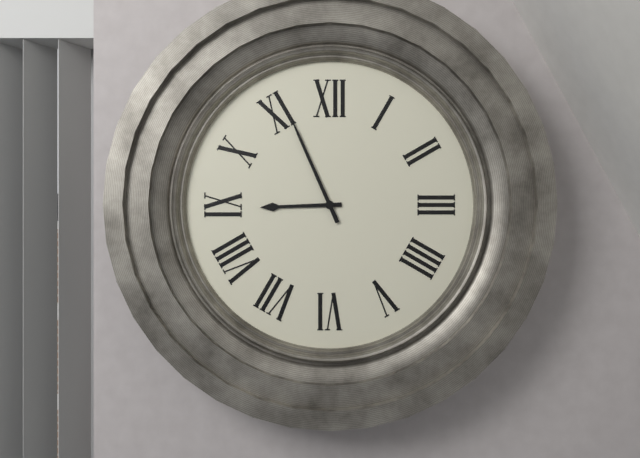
8.56
